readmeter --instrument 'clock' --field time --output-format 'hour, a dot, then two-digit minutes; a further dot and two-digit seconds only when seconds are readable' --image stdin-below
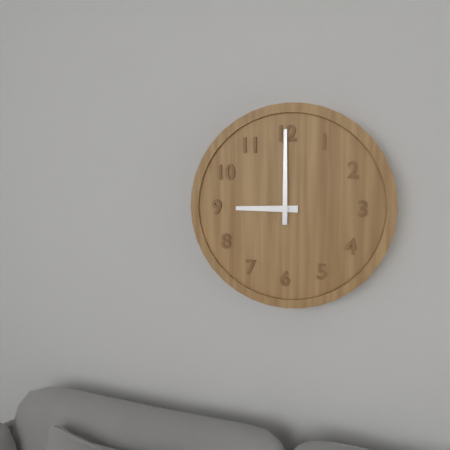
9.00
